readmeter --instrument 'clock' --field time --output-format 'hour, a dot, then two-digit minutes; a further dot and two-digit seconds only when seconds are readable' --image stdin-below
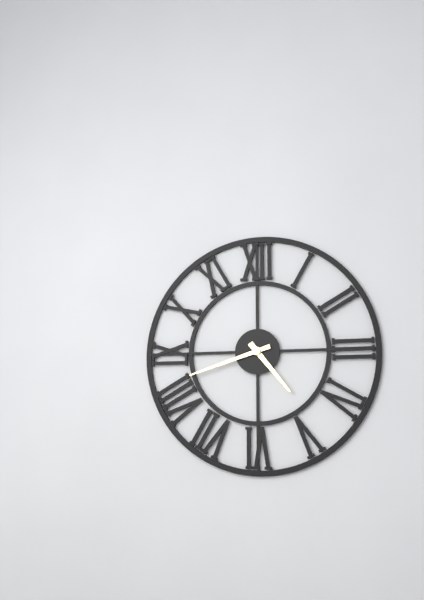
4.42
